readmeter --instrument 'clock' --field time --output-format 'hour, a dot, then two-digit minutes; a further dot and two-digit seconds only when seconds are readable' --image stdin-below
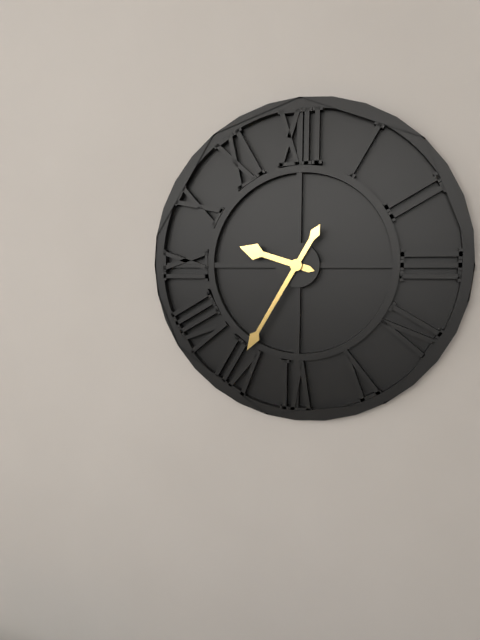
9.35
